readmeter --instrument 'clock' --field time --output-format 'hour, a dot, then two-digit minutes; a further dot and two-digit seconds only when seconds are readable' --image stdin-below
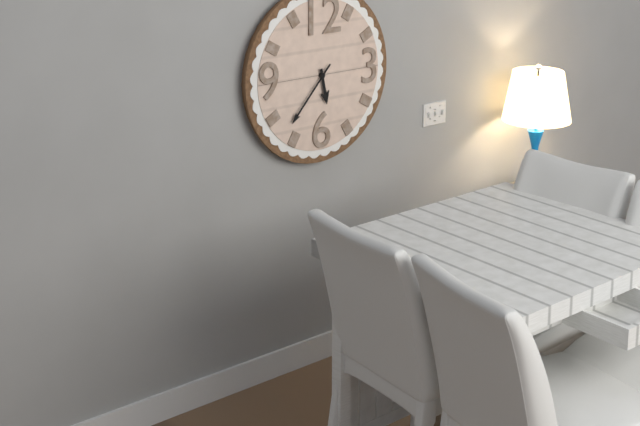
5.37
